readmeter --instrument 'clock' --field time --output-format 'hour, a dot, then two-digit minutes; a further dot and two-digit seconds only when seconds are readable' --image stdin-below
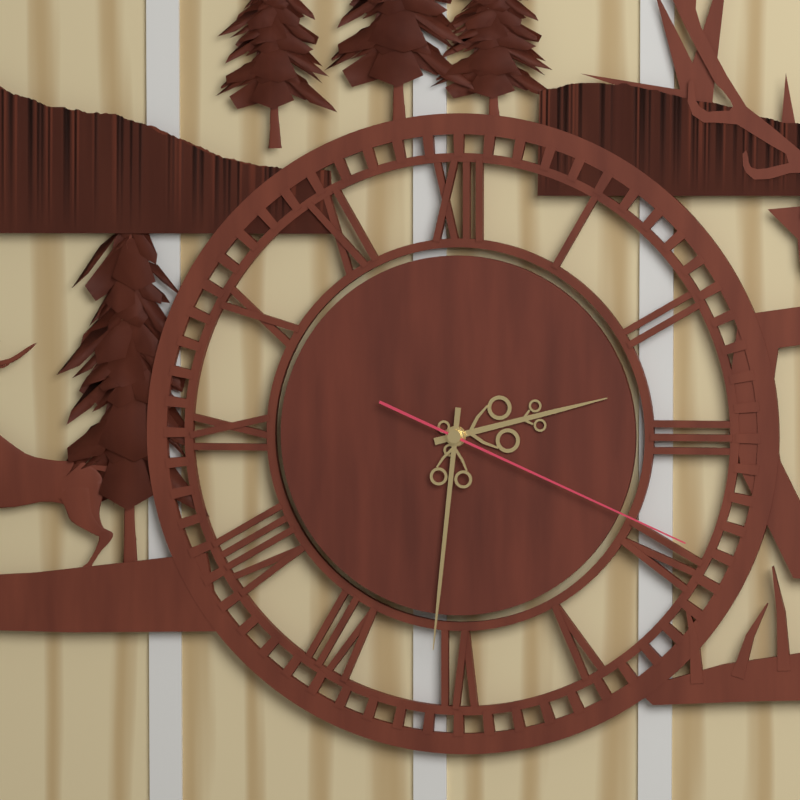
2.31.19
